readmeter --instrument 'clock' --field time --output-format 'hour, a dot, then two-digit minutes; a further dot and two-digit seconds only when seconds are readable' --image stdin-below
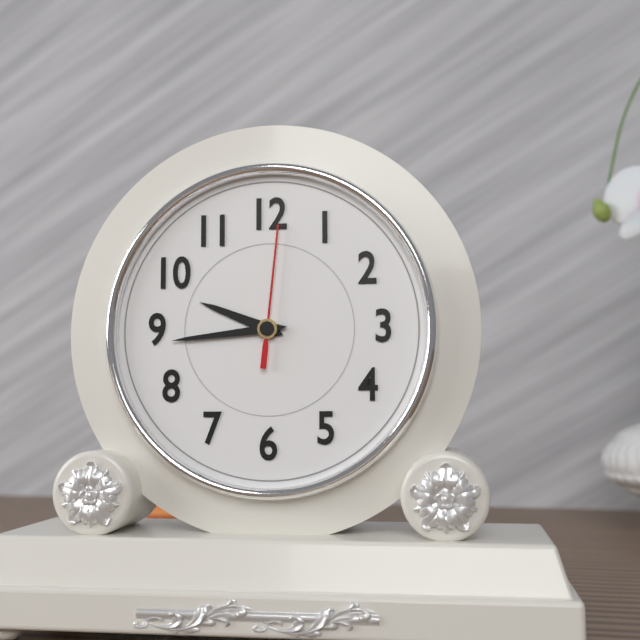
9.44.01
